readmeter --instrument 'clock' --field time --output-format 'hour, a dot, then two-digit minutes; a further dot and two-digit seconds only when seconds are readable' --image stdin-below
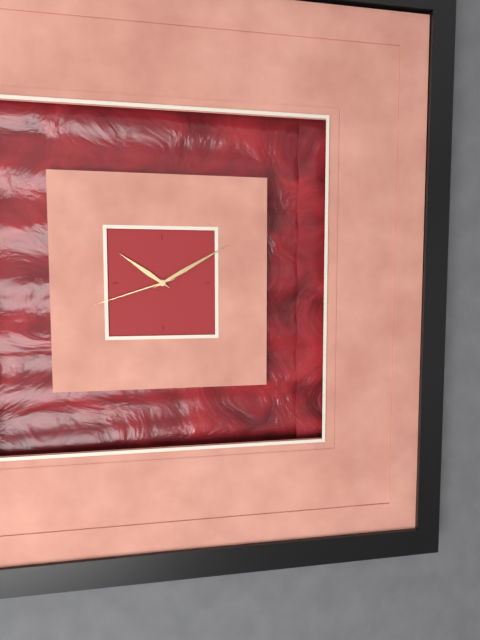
10.10.42
